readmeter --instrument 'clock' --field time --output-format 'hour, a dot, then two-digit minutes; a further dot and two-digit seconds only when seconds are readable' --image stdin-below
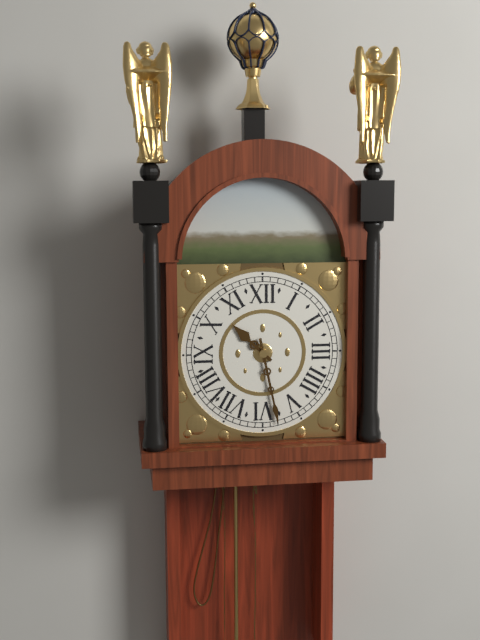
10.28
